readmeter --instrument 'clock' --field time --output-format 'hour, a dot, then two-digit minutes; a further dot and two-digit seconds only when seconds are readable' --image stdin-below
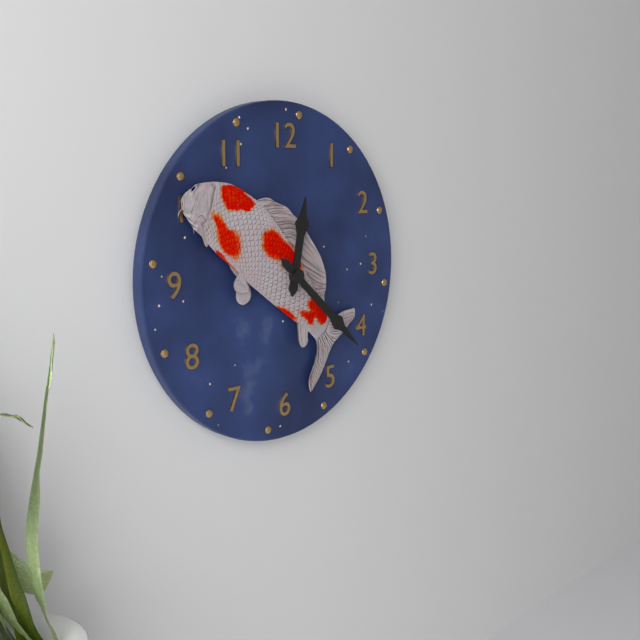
12.22
